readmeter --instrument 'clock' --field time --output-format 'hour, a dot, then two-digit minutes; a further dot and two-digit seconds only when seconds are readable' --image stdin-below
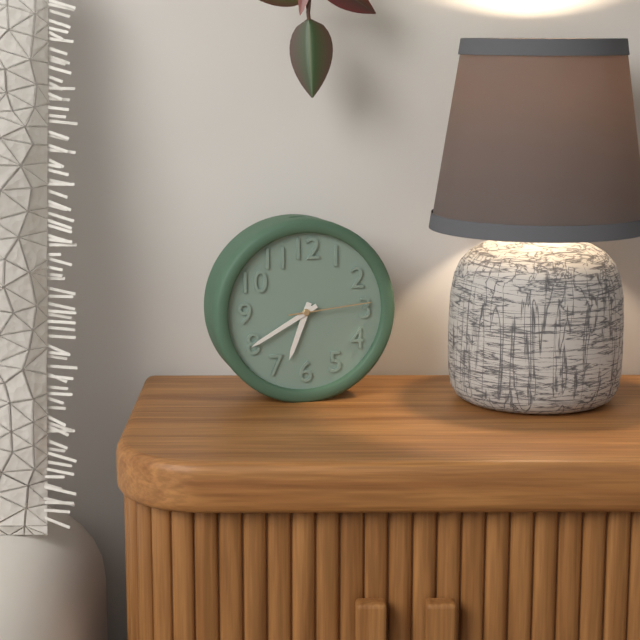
6.40.14
